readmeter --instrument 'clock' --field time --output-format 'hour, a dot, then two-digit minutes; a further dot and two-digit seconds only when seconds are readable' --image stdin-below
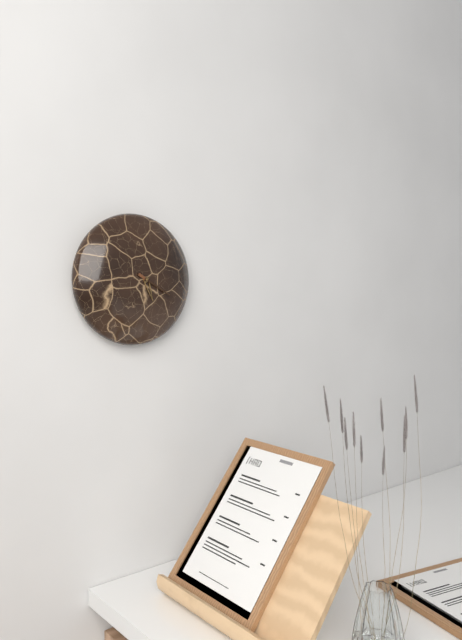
5.20
